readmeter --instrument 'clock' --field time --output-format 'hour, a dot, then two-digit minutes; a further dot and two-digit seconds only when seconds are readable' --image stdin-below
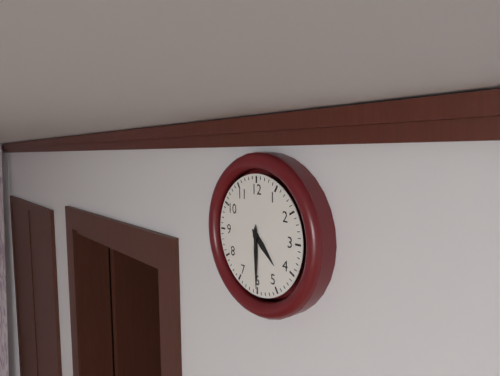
4.30
